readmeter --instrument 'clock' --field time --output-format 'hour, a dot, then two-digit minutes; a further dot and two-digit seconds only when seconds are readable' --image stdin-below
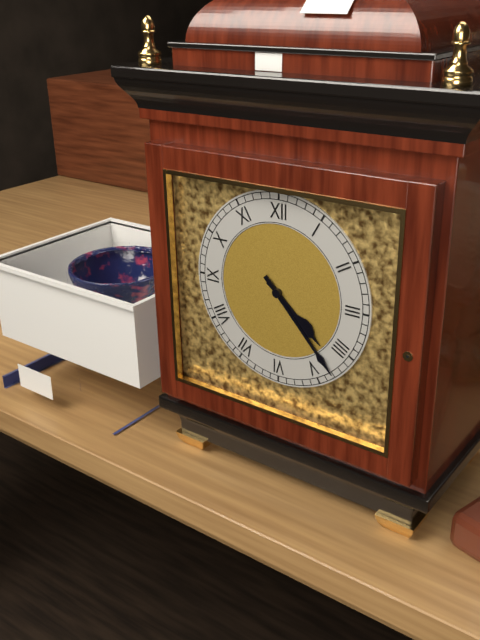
4.23
